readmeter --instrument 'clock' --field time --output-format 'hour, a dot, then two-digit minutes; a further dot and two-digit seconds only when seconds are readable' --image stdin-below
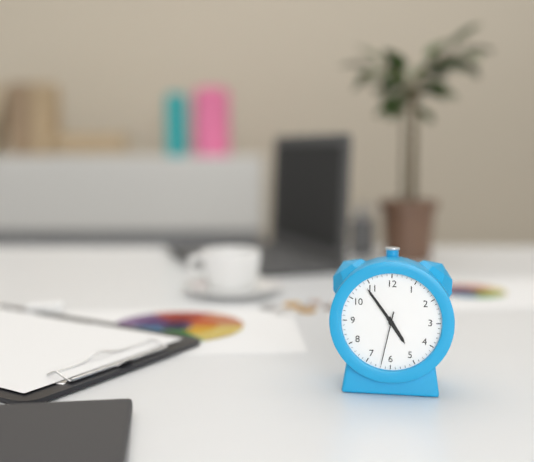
4.54.32
